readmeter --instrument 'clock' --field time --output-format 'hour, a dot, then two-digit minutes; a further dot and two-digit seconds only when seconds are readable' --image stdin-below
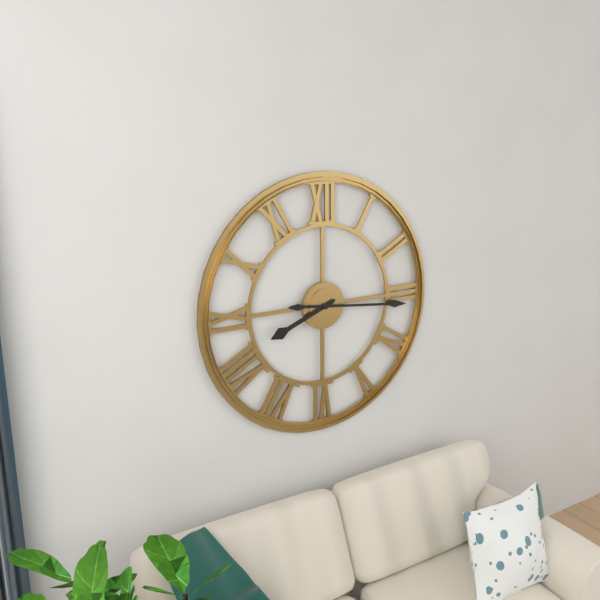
8.16
